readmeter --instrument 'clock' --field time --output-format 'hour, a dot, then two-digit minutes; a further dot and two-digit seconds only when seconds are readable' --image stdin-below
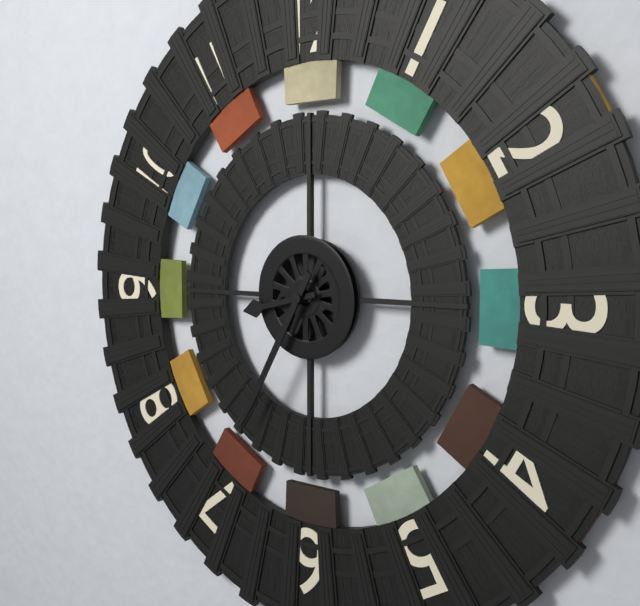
8.35
